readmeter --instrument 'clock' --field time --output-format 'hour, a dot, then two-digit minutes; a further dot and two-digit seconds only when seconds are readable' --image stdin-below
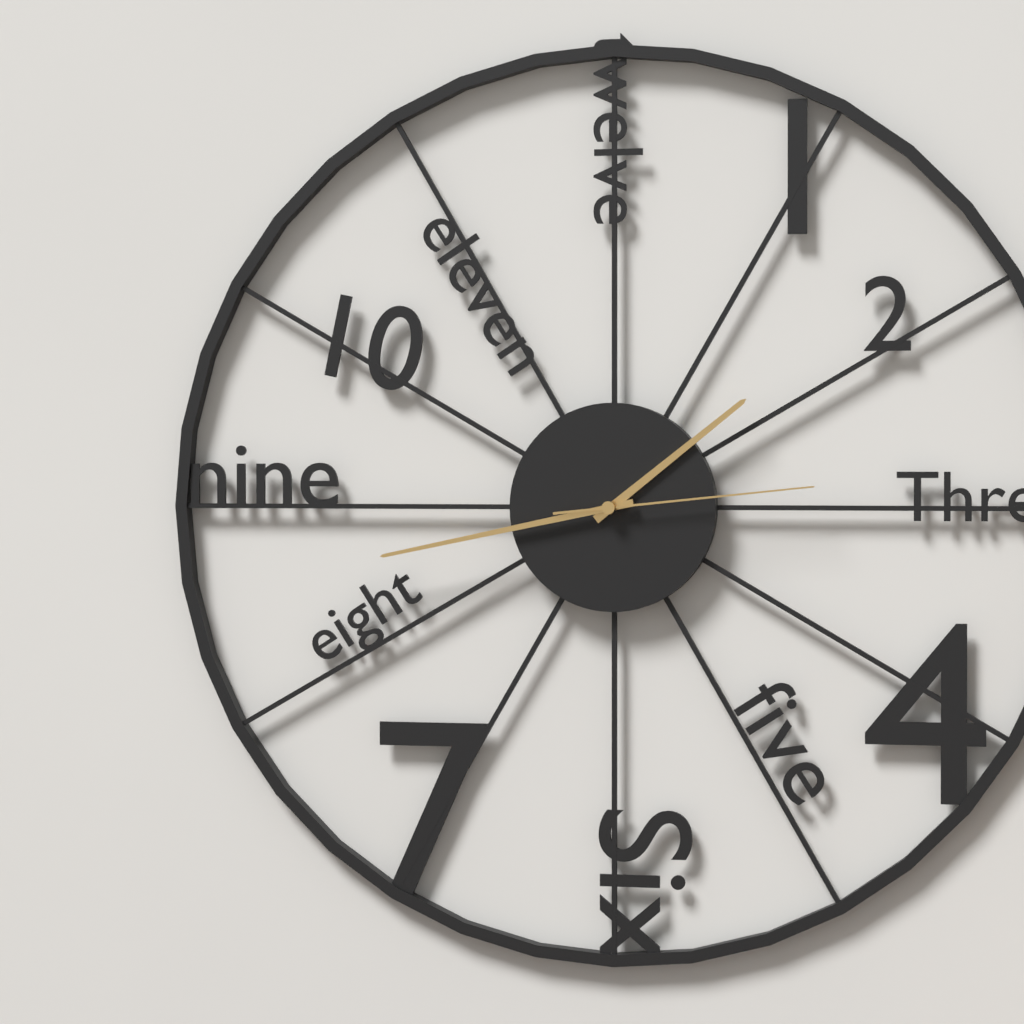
1.43.14
